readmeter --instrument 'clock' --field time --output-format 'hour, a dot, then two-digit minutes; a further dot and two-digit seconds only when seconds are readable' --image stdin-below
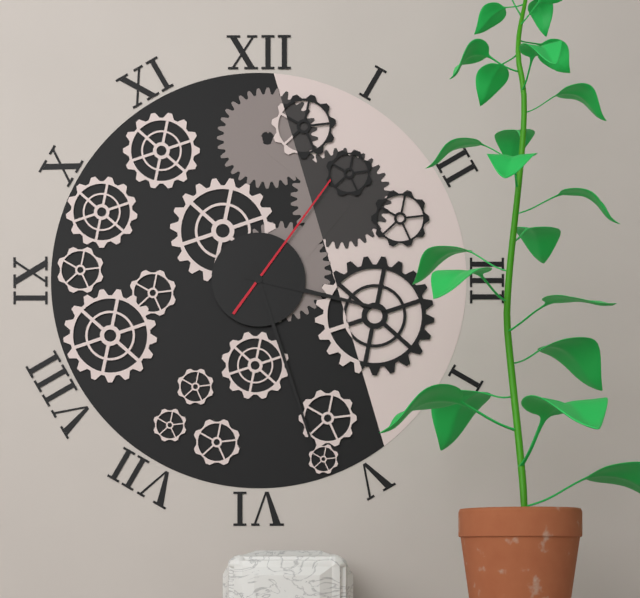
3.27.06
